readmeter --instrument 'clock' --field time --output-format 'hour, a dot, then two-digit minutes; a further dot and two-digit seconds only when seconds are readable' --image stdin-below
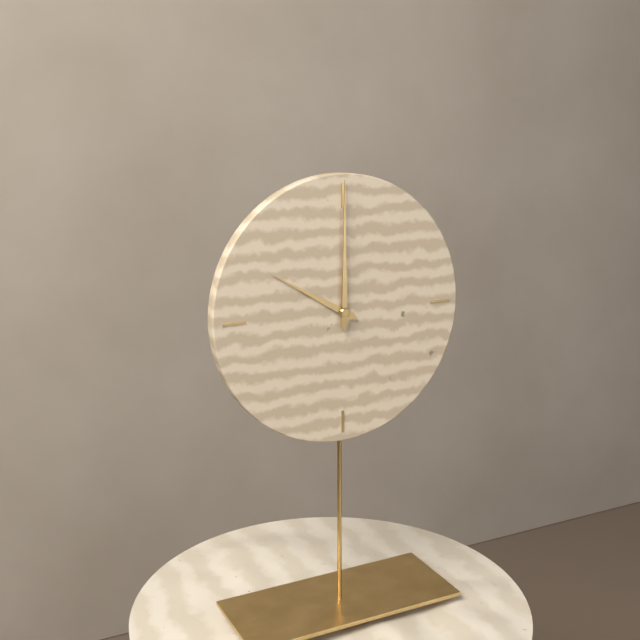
10.00
